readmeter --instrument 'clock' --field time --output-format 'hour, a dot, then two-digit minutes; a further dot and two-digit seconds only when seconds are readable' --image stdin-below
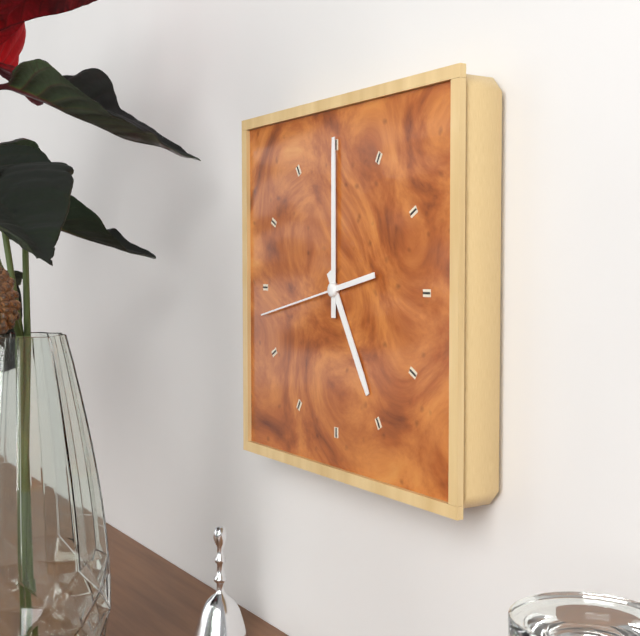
5.00.43
